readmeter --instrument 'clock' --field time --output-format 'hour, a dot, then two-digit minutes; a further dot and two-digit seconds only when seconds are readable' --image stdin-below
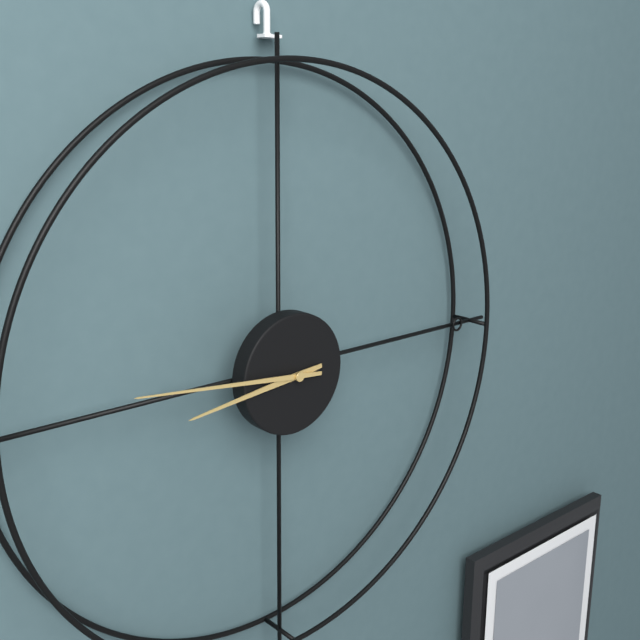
8.46
